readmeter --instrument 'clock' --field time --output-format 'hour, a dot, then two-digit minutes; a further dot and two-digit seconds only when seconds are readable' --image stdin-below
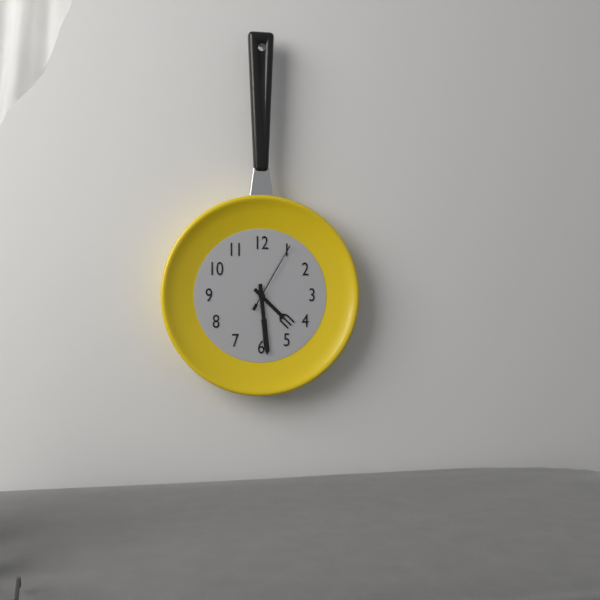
4.29.05
